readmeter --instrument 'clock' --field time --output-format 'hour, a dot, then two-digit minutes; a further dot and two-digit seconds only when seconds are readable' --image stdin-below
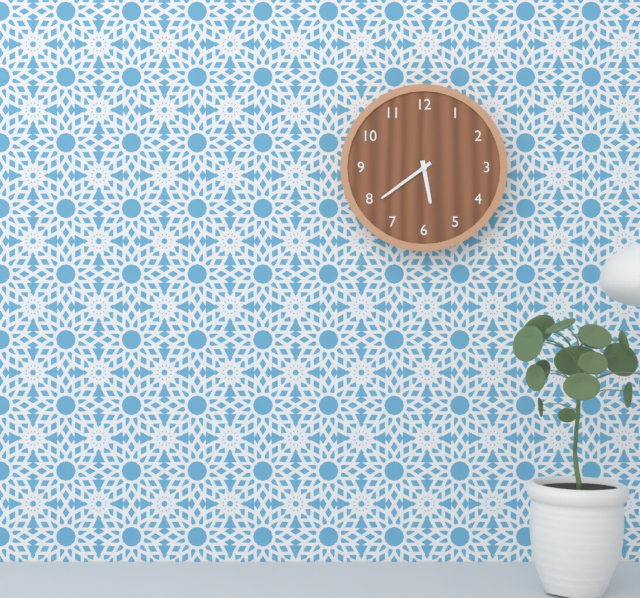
5.39
